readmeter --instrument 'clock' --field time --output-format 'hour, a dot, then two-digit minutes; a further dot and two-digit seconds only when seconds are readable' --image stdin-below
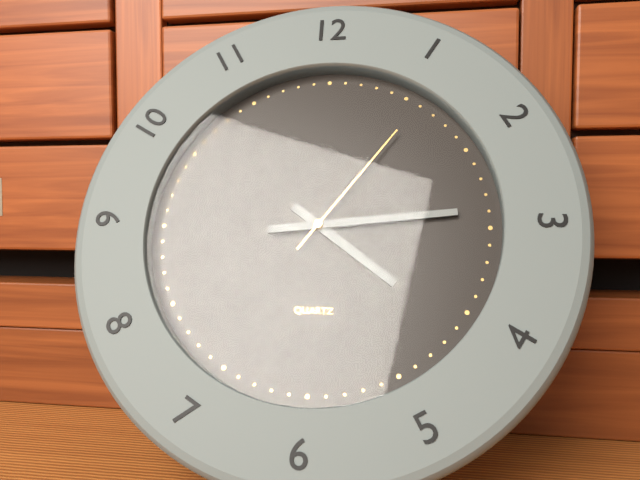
4.14.06
